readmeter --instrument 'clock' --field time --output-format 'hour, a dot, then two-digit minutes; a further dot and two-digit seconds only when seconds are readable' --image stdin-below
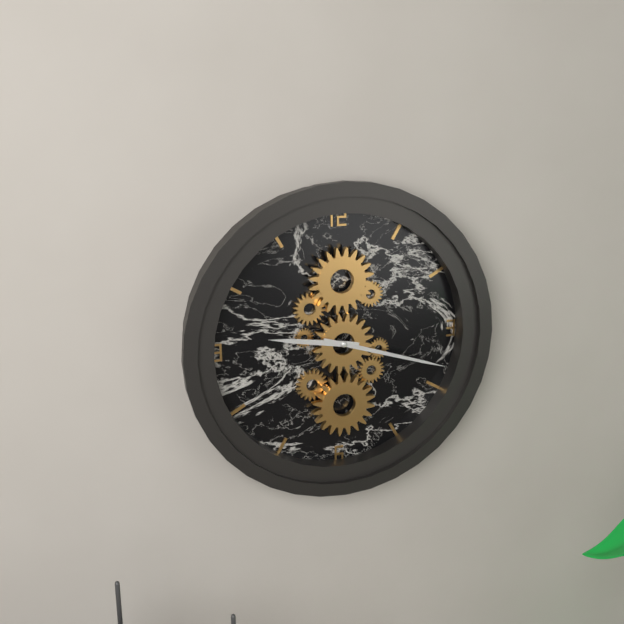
9.18
